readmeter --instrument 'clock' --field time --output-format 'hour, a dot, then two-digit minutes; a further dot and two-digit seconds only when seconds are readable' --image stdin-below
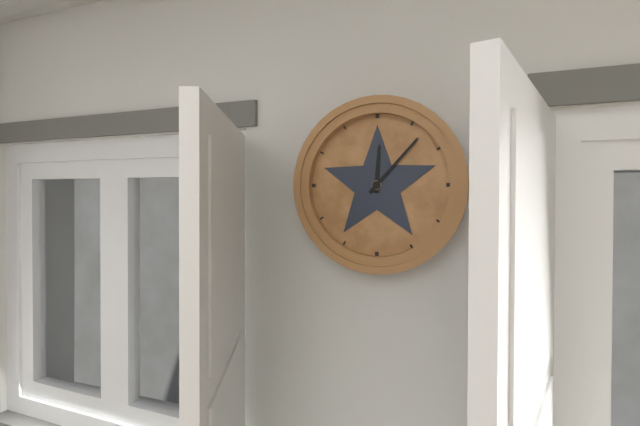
12.07
